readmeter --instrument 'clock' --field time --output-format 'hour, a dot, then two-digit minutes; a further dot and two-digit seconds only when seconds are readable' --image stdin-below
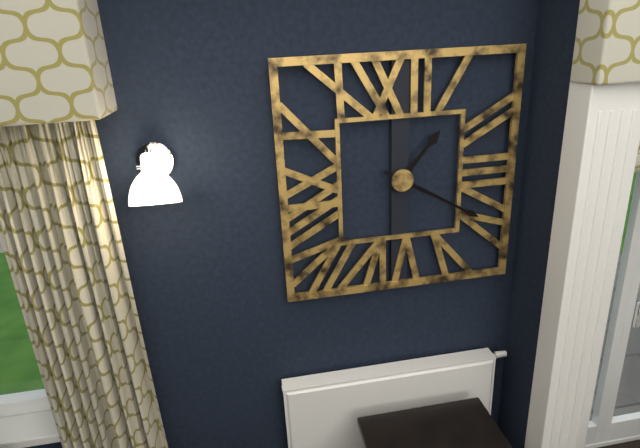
1.20
